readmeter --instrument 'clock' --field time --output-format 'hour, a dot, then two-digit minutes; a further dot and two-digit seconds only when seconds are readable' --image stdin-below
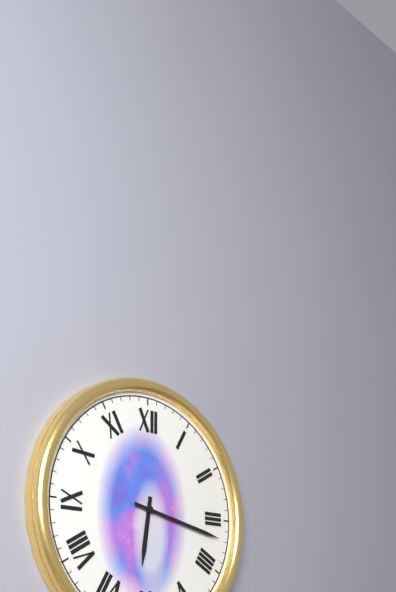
6.17
